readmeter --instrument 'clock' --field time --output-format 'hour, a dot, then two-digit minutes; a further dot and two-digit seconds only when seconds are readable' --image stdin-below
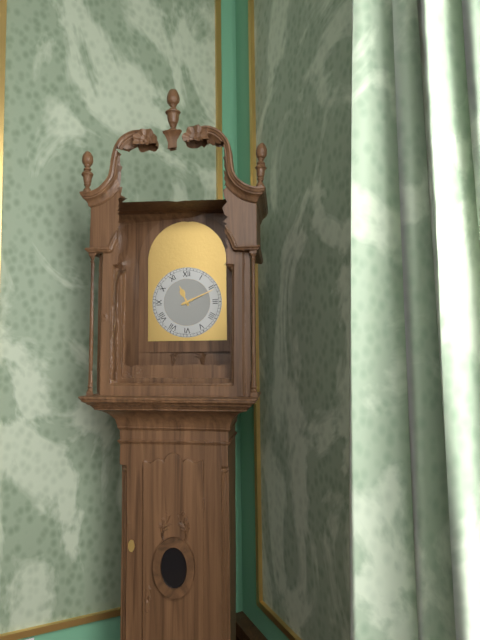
11.11
